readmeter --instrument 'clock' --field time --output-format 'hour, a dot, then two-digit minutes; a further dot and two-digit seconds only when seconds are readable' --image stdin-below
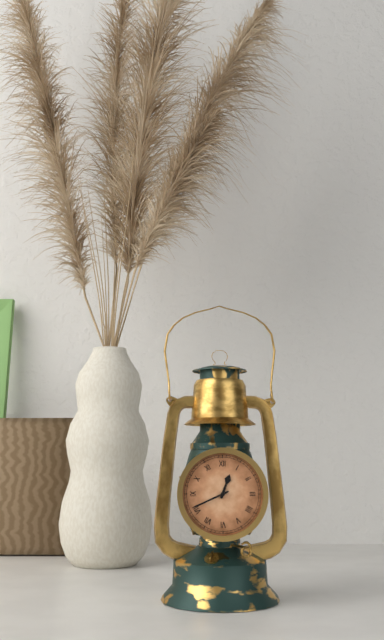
12.41
